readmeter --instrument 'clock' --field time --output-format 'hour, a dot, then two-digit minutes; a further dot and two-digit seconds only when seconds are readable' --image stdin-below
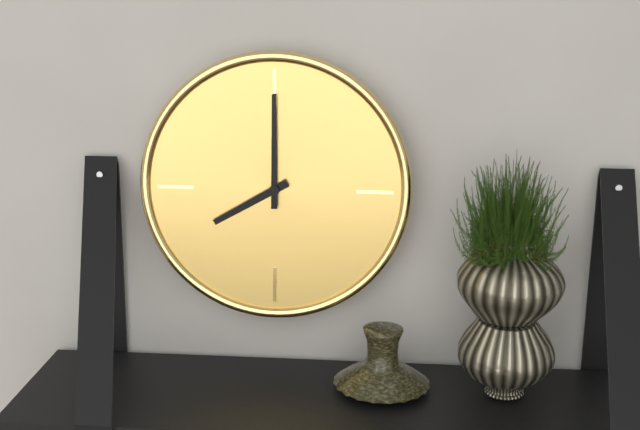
8.00
